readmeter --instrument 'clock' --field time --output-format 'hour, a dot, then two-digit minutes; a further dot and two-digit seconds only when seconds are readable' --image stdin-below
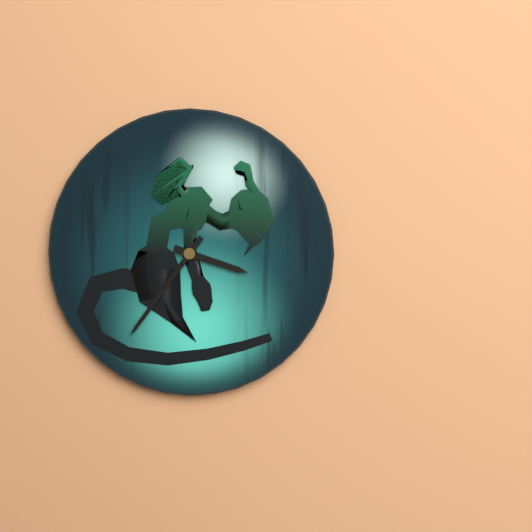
3.36
